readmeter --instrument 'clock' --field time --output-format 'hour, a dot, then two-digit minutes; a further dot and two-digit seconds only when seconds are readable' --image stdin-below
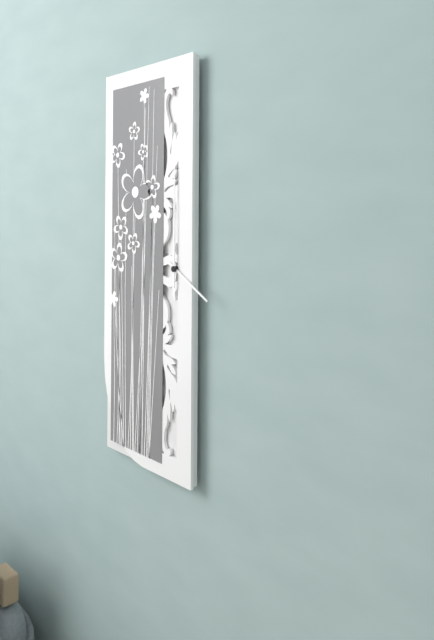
4.00
